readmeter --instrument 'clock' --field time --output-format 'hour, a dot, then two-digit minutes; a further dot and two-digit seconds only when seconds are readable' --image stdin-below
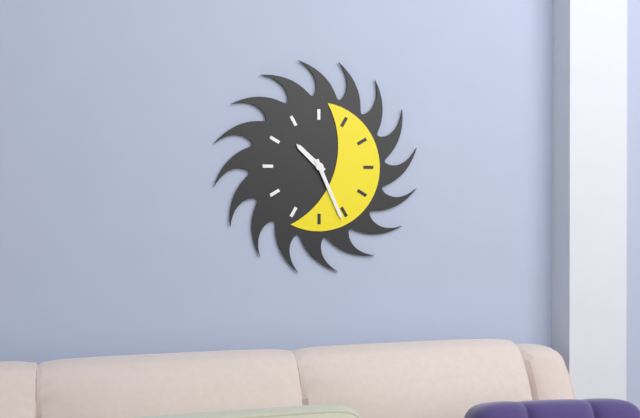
10.26
